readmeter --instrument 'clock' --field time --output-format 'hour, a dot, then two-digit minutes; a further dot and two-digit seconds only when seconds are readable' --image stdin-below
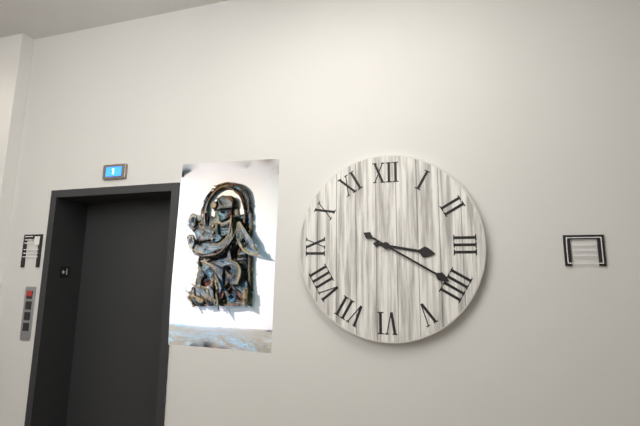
3.20
